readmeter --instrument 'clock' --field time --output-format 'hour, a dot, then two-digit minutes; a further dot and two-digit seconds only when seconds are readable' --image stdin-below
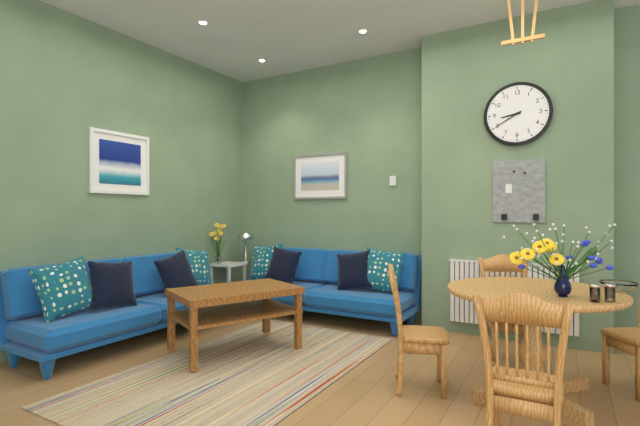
8.40
